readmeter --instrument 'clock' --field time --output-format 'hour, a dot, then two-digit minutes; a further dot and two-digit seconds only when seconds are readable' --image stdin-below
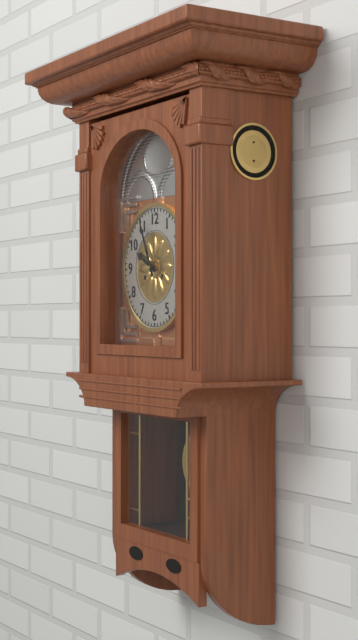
9.56
